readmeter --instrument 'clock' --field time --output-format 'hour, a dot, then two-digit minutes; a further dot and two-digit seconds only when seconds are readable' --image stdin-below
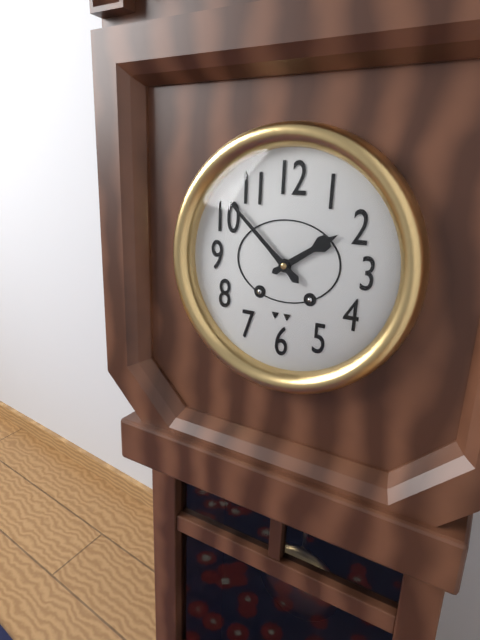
1.52
